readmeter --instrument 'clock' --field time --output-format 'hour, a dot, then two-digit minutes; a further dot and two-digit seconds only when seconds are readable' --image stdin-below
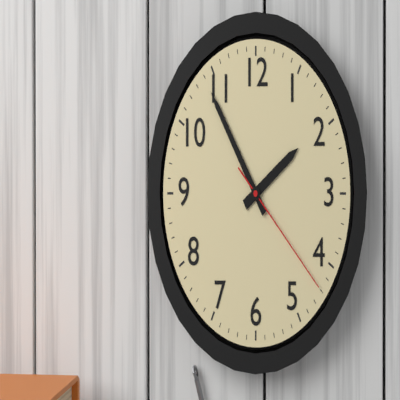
1.54.22
